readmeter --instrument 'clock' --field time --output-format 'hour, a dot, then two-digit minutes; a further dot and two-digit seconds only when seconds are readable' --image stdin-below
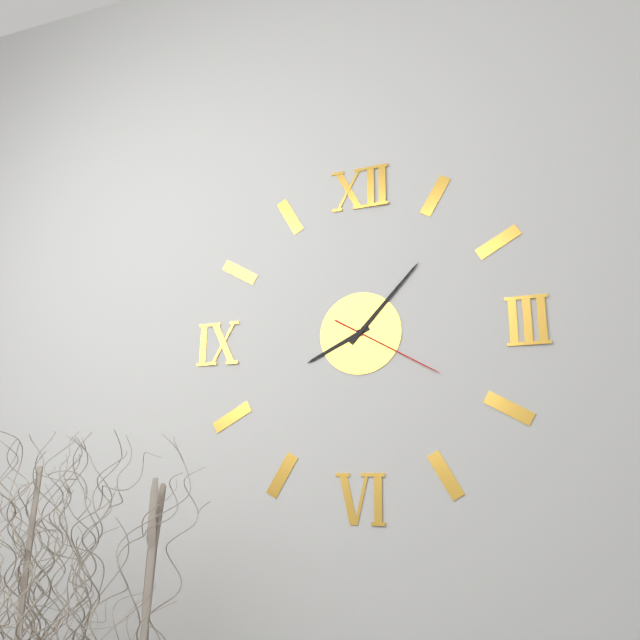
8.07.20
